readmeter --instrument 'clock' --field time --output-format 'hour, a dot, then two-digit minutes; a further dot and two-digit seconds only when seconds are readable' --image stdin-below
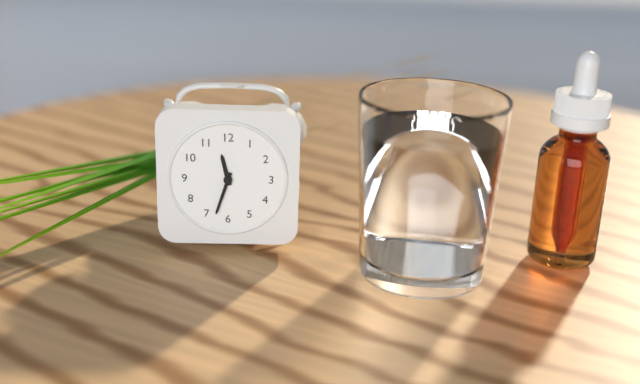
11.33
